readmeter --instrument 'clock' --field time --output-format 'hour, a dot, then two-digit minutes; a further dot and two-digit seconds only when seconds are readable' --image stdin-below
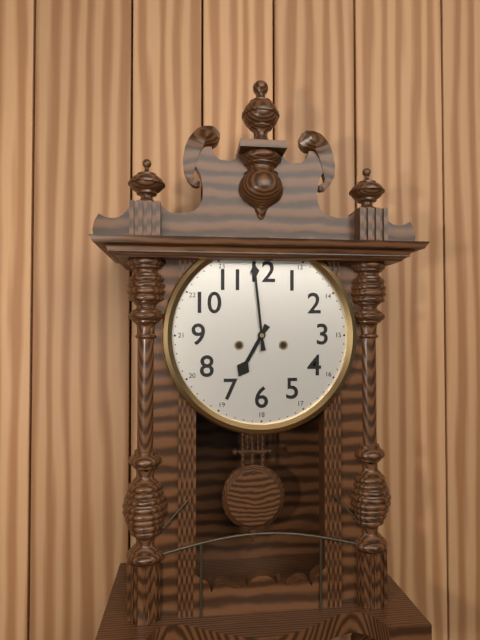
6.59
